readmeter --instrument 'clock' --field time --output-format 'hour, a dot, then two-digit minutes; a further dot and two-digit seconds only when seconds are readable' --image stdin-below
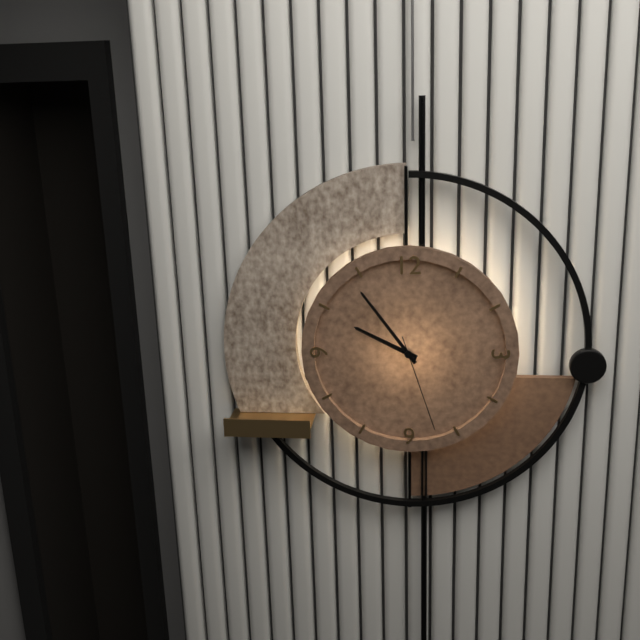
9.54.27
